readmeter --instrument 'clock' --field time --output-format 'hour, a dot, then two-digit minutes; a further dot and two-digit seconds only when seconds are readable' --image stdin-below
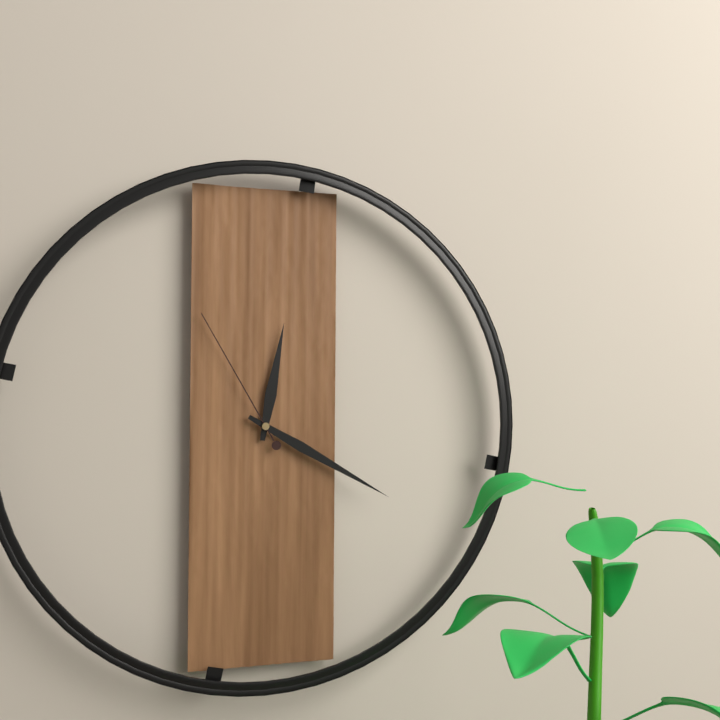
12.20.55
